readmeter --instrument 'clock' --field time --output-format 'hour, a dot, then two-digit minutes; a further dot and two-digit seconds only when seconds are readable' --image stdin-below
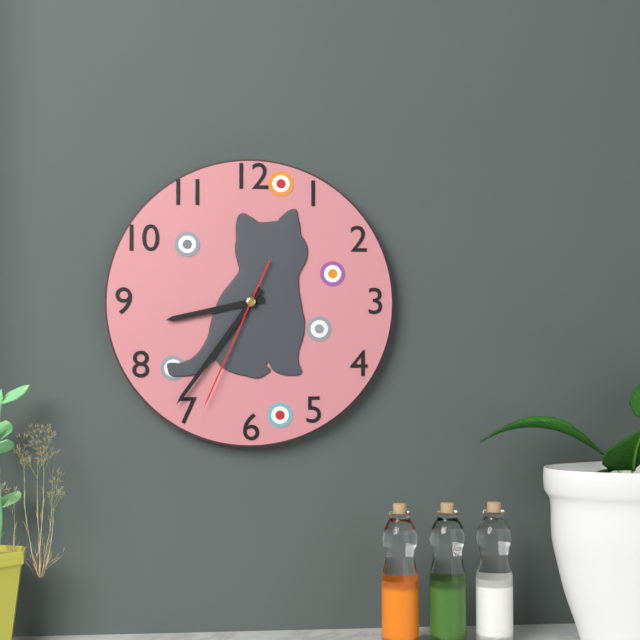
8.36.34
